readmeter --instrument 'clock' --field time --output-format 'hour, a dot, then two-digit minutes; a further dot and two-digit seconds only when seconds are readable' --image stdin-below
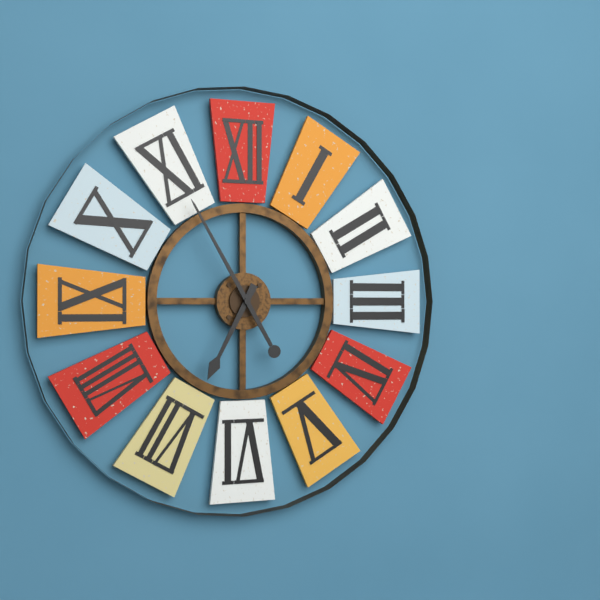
6.55
